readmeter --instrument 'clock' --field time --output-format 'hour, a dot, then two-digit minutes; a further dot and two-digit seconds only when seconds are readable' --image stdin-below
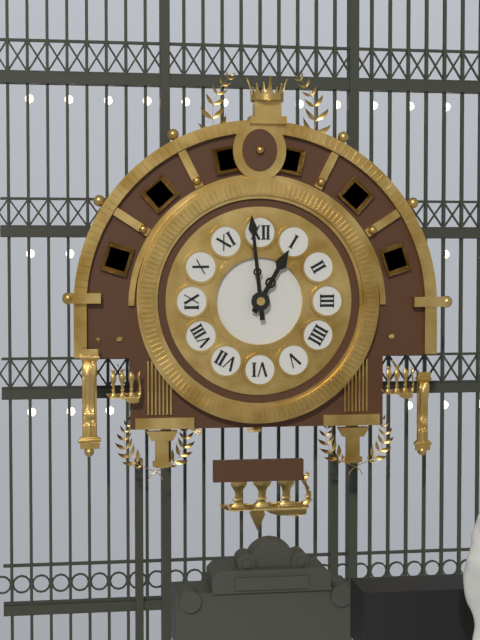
12.59
